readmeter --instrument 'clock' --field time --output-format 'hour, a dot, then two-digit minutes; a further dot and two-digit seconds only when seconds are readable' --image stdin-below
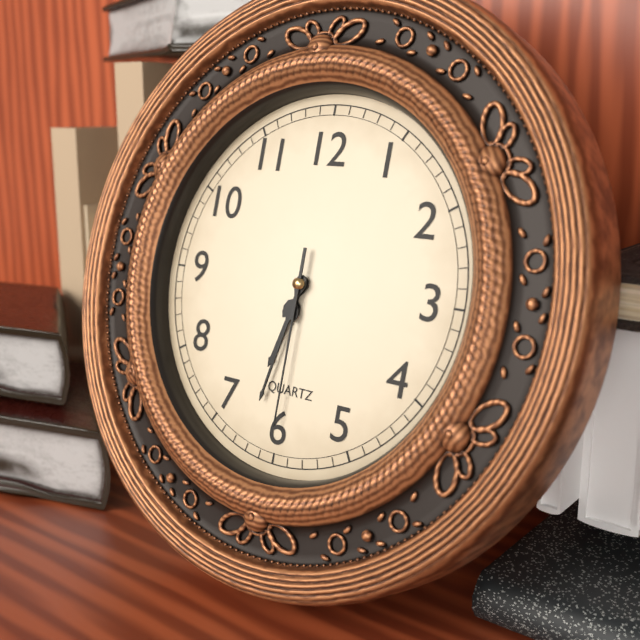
6.32.30
